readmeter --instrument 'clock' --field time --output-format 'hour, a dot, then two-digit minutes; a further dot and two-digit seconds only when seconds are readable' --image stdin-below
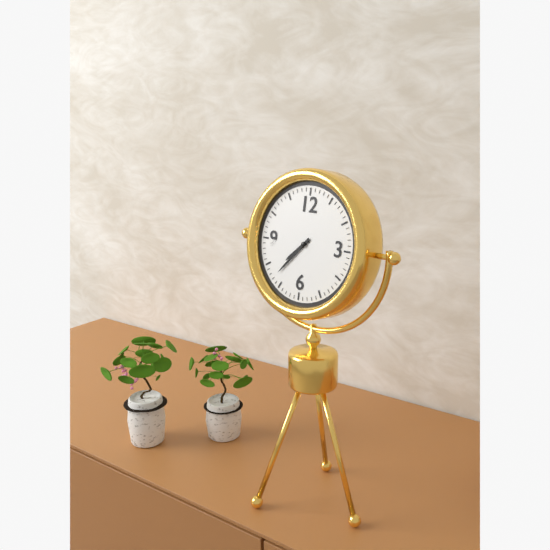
7.37
